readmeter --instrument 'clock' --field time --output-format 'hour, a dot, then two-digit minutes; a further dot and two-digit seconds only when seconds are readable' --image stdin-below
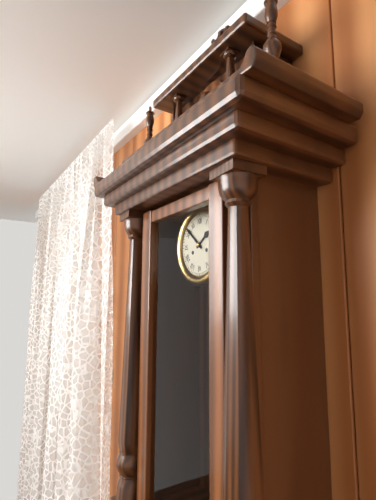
1.52
